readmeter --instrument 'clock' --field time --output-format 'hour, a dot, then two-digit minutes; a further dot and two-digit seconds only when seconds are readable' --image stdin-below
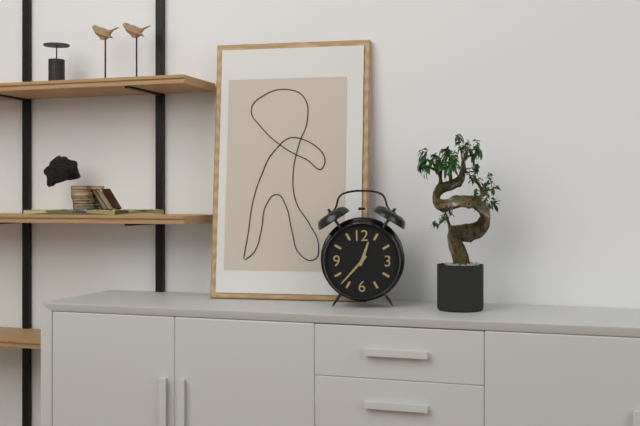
12.37
